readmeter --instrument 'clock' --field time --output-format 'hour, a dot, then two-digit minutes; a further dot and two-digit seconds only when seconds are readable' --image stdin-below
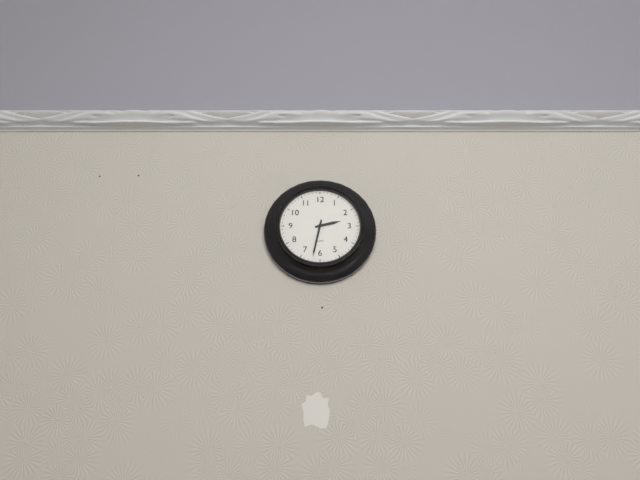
2.32
